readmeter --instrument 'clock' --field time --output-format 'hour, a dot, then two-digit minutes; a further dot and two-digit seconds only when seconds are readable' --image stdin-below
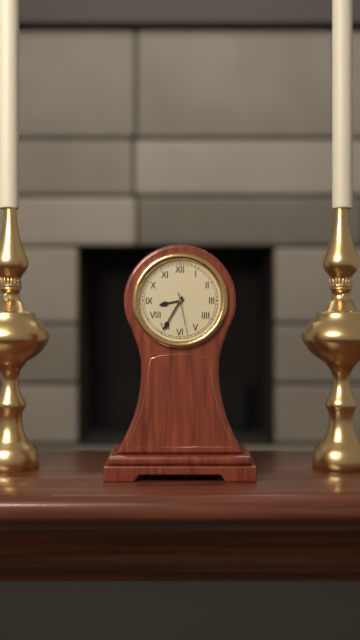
8.35
